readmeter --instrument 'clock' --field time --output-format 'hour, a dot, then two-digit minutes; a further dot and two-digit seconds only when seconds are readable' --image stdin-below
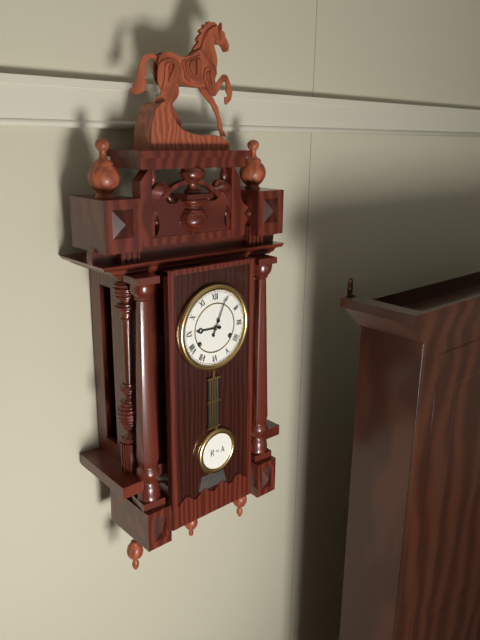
9.04
